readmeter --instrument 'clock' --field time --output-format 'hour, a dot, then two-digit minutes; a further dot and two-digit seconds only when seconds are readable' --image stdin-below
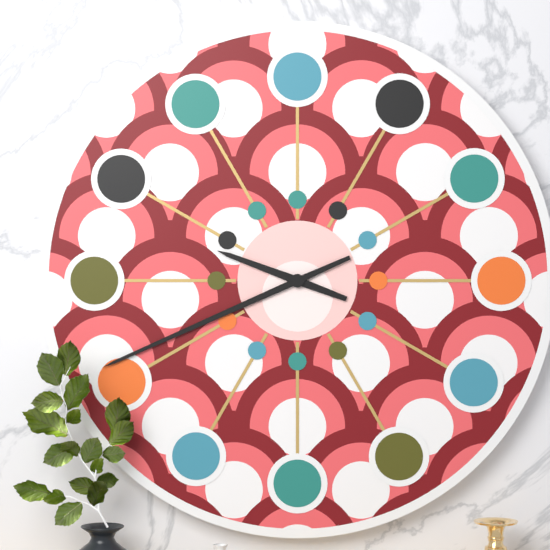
9.41
